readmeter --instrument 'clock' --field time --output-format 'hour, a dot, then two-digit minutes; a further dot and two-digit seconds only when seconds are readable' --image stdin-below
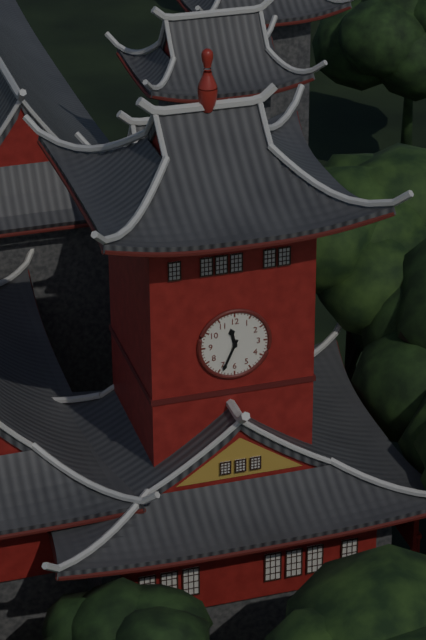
11.34
